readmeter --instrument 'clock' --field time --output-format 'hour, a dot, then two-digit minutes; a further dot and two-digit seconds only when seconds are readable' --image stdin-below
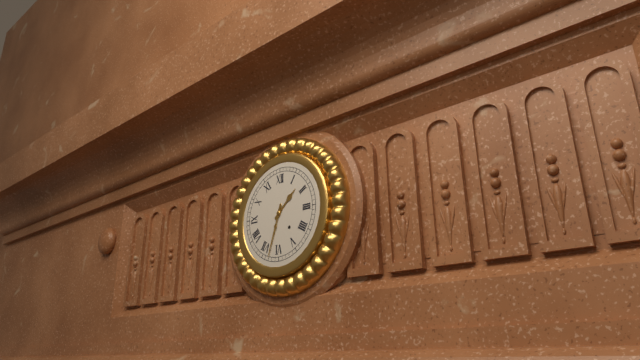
1.33
